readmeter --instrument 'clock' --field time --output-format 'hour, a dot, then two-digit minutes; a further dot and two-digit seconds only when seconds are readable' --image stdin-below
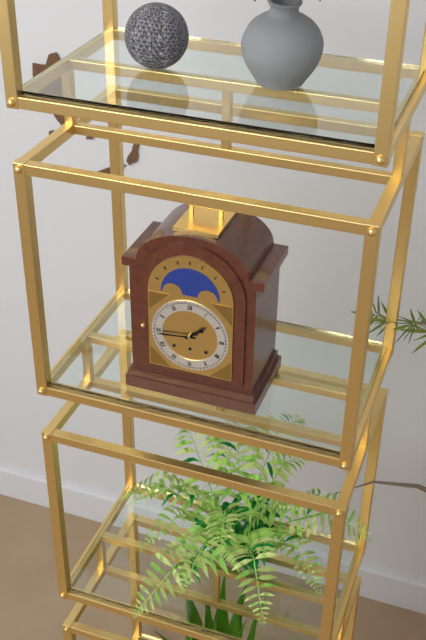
1.44
